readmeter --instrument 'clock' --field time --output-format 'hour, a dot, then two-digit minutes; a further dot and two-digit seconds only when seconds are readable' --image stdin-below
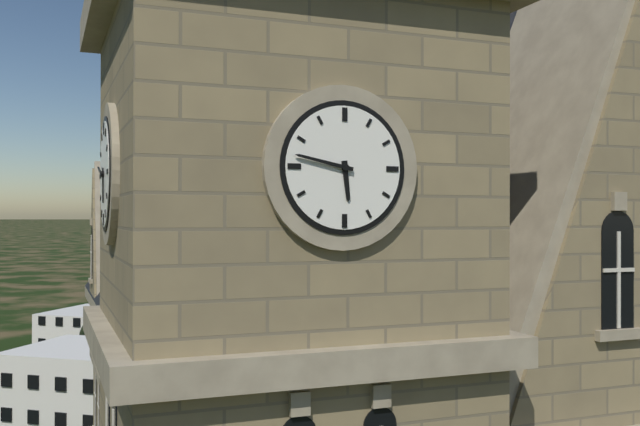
5.47
